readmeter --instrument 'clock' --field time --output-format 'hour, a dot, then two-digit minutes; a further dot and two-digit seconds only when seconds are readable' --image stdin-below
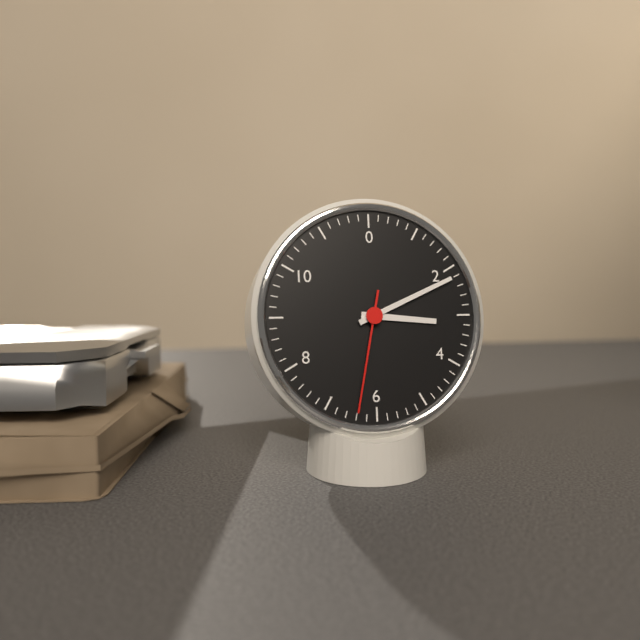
3.11.32
